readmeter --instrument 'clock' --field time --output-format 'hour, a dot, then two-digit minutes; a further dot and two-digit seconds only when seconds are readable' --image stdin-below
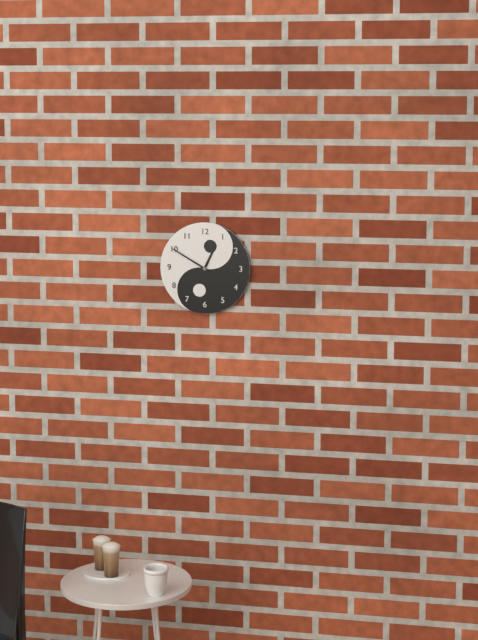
12.50
